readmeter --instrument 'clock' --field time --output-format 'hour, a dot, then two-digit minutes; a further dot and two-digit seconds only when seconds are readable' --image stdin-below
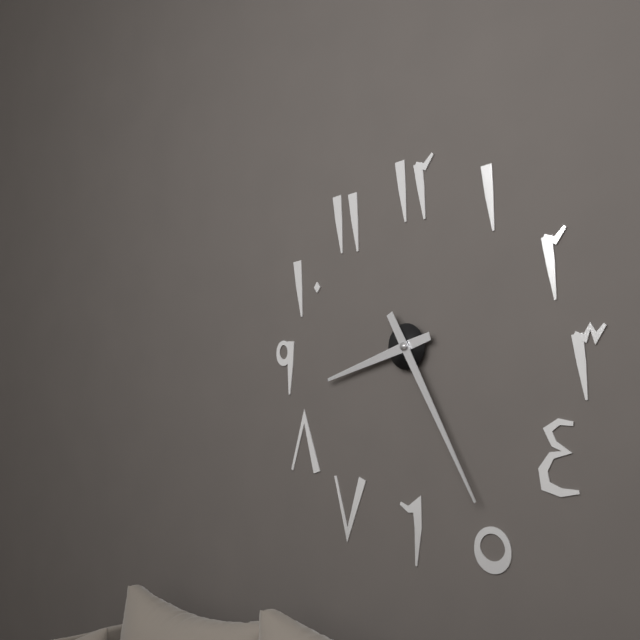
8.25
